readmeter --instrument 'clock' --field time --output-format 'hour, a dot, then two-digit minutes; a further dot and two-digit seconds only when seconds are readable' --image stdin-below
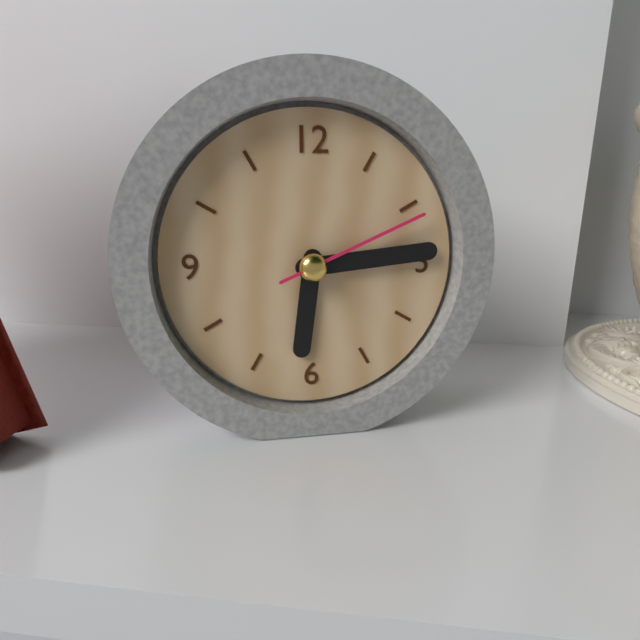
6.14.11
